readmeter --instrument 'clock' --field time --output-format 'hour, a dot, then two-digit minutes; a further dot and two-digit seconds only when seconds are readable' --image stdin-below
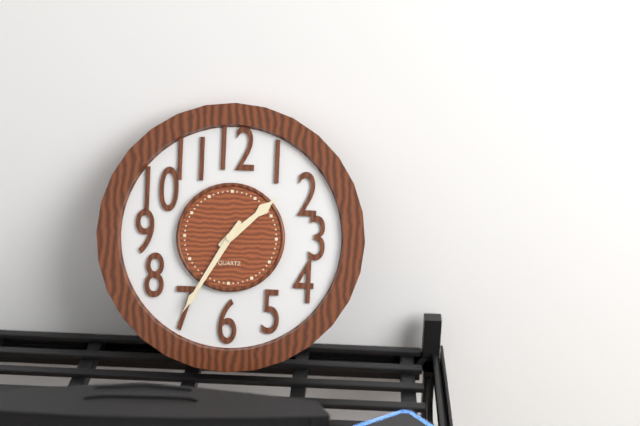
1.35
